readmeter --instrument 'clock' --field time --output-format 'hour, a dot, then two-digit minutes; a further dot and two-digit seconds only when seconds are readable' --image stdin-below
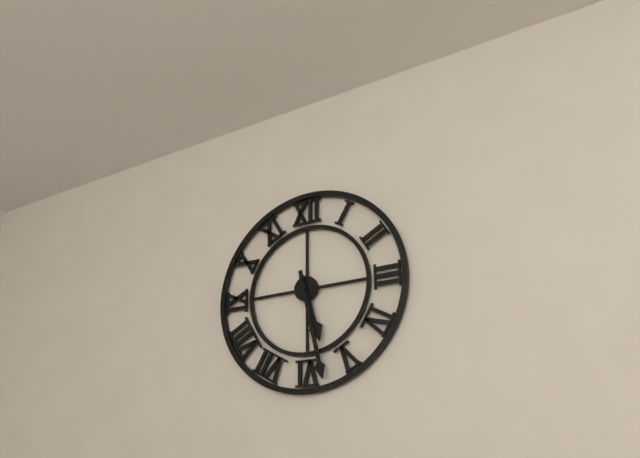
5.28
